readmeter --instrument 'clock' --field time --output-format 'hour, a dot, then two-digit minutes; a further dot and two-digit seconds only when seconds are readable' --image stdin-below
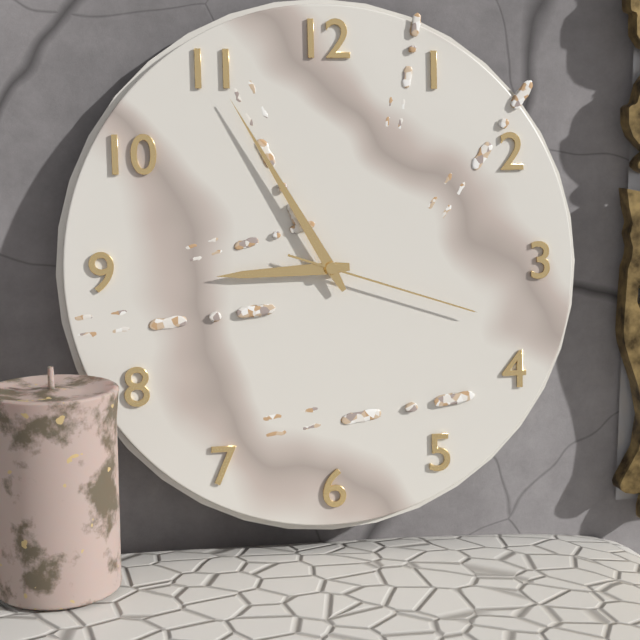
8.55.18
